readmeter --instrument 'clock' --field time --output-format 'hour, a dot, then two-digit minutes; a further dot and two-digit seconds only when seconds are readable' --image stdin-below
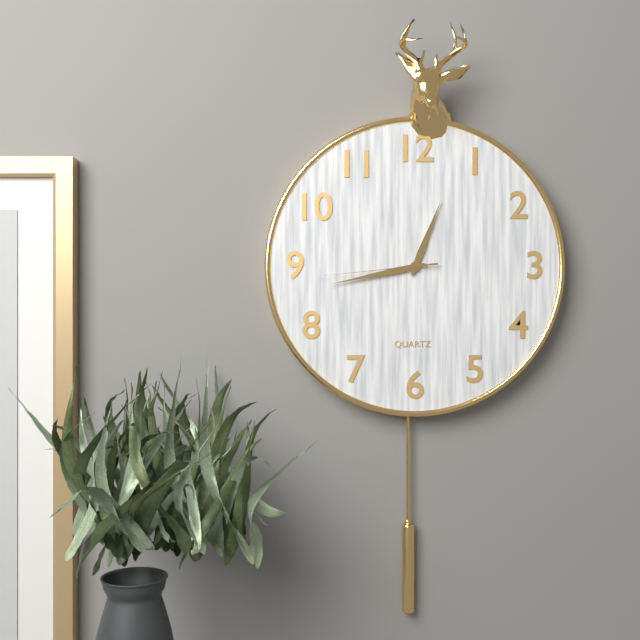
12.43.44
